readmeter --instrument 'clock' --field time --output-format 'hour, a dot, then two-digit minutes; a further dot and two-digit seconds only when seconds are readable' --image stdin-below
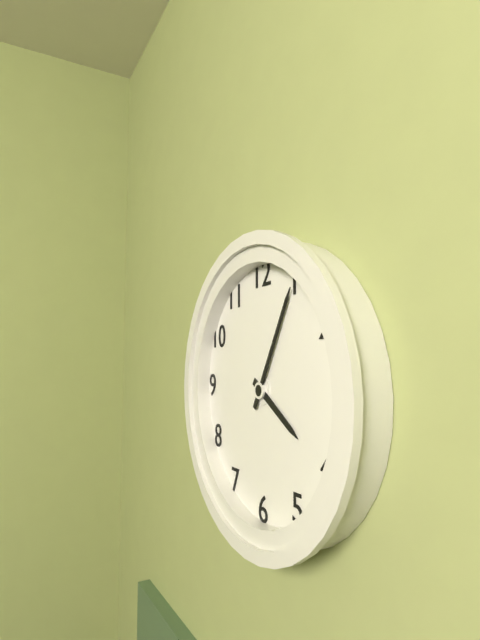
4.05
